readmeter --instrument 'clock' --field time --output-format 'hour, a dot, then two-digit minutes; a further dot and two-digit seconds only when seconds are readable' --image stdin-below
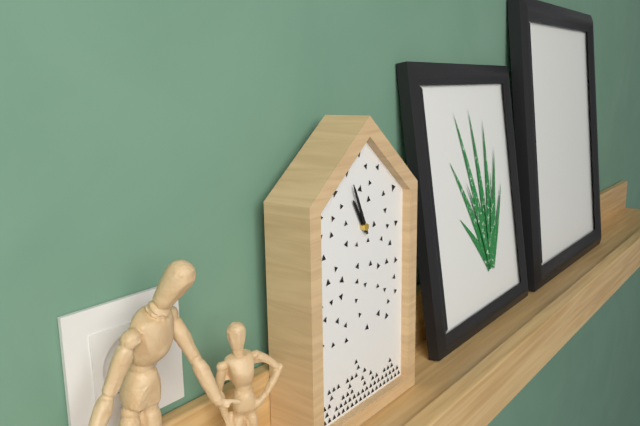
10.56
